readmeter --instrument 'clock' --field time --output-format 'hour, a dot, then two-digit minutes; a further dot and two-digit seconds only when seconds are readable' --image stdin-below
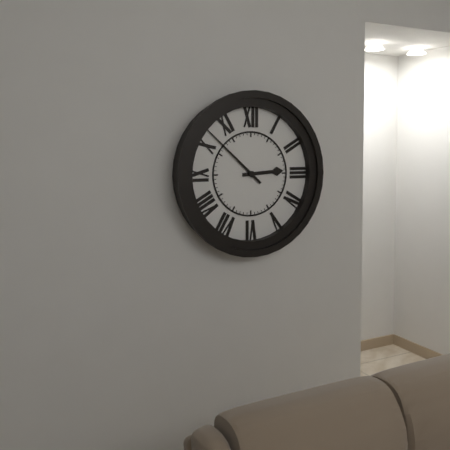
2.52
